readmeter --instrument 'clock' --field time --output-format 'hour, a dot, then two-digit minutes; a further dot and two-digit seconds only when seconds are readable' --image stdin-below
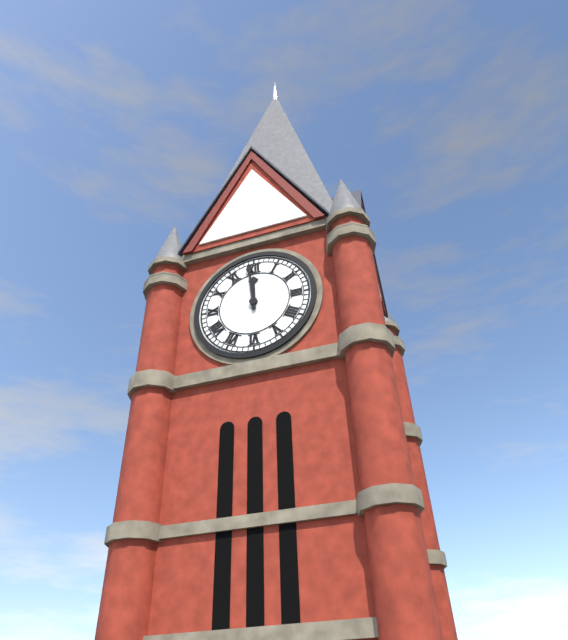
11.59
